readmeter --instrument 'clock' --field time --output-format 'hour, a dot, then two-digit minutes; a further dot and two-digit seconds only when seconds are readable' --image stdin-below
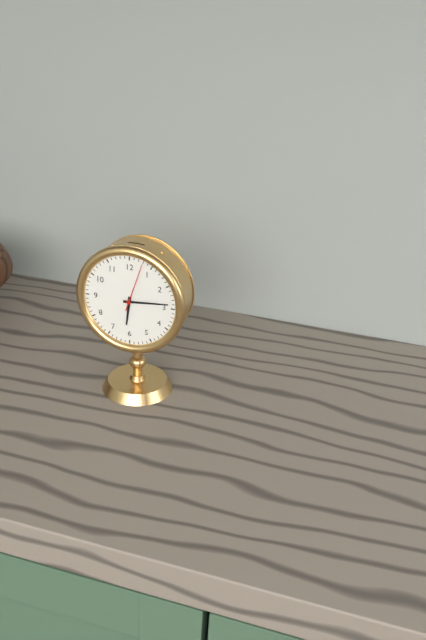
6.14
